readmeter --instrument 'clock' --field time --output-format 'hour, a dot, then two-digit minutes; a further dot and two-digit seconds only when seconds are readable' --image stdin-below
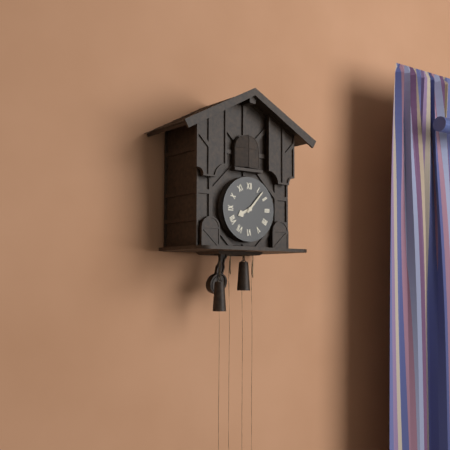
8.07
